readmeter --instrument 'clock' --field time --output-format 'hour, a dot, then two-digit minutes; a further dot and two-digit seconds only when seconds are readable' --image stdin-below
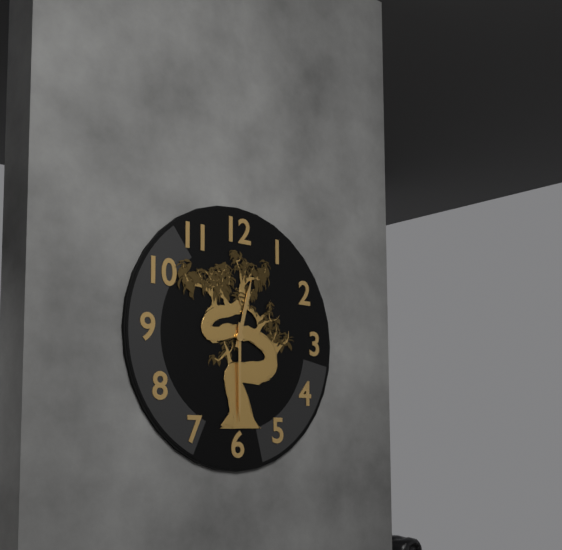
12.30
